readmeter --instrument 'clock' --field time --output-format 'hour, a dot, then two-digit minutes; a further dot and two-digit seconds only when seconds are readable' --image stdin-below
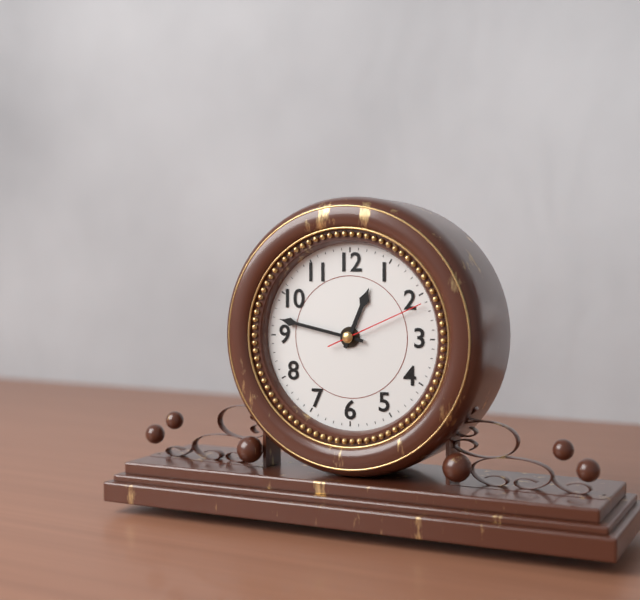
12.47.11
